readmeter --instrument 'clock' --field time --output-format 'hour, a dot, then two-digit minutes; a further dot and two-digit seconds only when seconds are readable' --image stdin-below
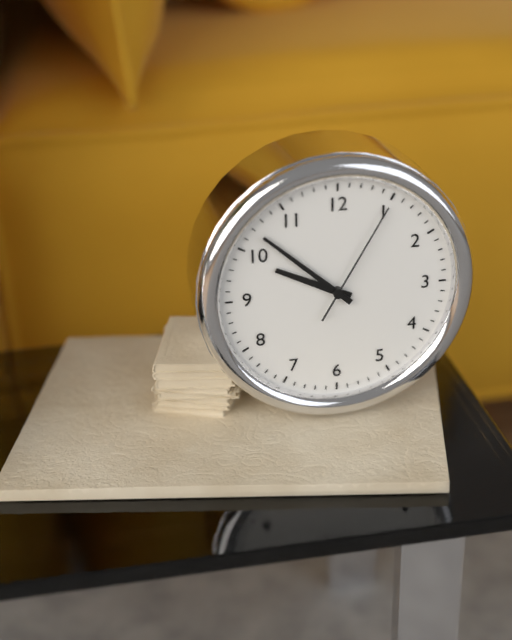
9.52.05
